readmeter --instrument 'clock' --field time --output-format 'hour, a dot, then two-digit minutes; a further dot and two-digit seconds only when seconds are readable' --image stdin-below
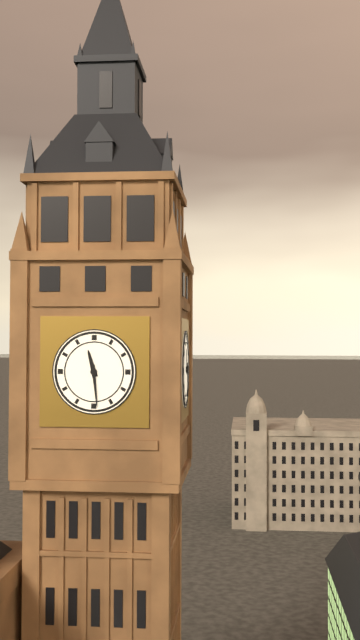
11.29
